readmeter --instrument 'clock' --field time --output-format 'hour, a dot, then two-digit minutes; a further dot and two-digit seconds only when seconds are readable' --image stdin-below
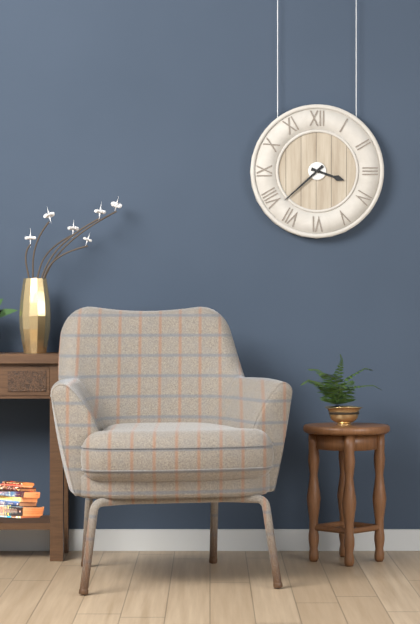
3.38
